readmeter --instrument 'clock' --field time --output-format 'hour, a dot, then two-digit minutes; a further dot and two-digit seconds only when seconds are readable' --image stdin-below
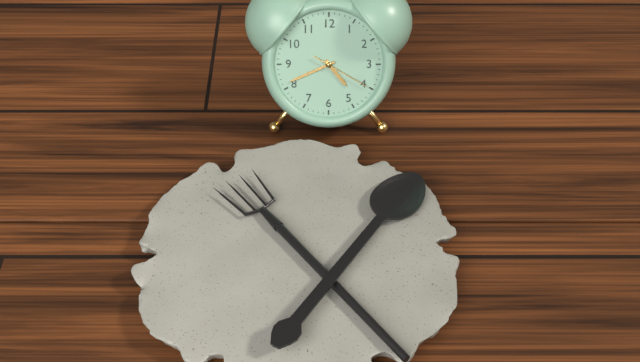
4.41.20
